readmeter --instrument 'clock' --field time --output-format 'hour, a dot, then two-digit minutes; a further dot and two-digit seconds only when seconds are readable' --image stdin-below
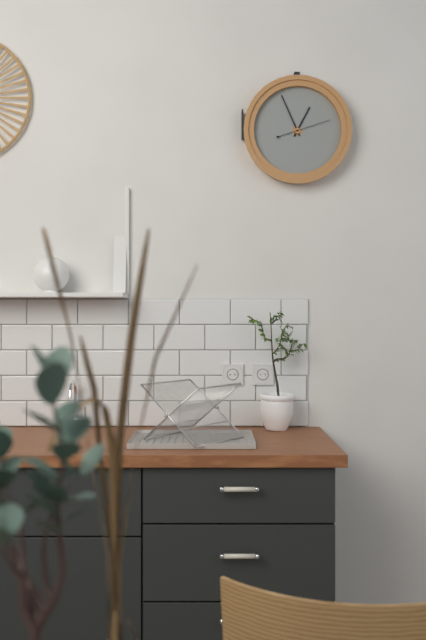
12.56
